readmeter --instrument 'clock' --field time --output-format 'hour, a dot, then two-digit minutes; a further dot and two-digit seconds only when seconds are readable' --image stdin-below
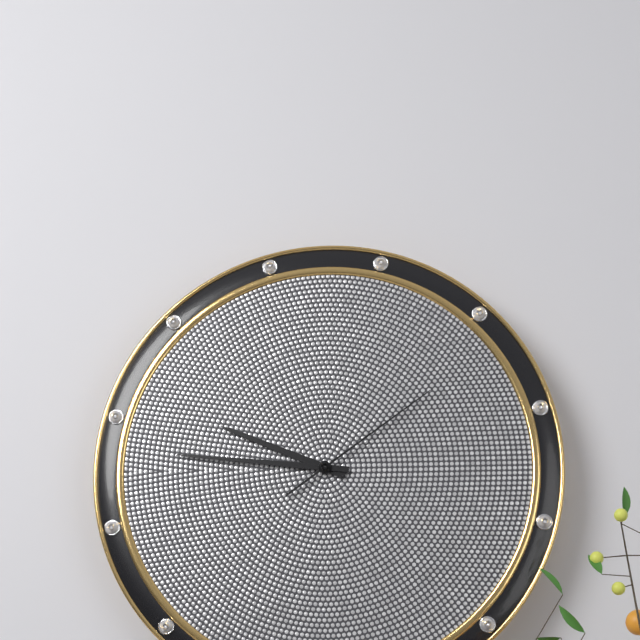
9.46.09
